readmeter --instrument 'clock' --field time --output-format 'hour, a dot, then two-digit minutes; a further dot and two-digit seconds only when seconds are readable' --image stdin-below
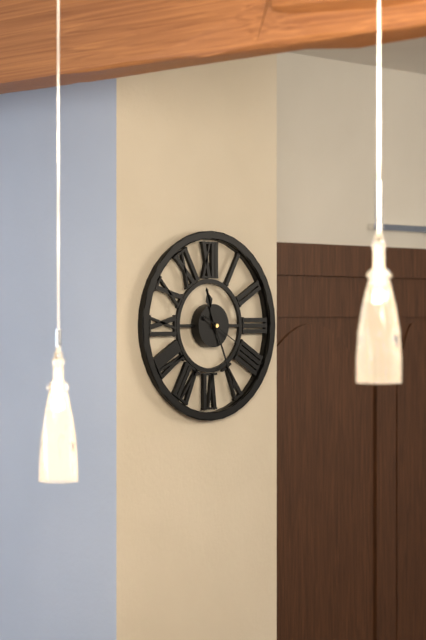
11.26.20
